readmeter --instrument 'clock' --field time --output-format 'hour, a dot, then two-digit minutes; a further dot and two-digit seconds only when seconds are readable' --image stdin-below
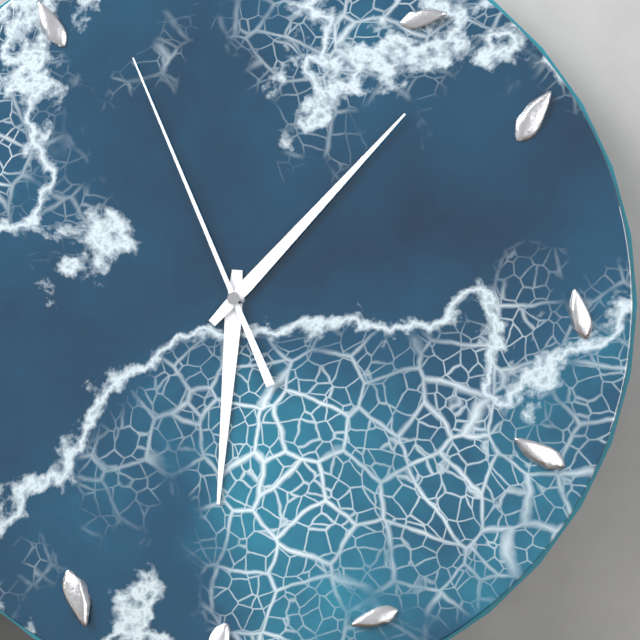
6.07.56
